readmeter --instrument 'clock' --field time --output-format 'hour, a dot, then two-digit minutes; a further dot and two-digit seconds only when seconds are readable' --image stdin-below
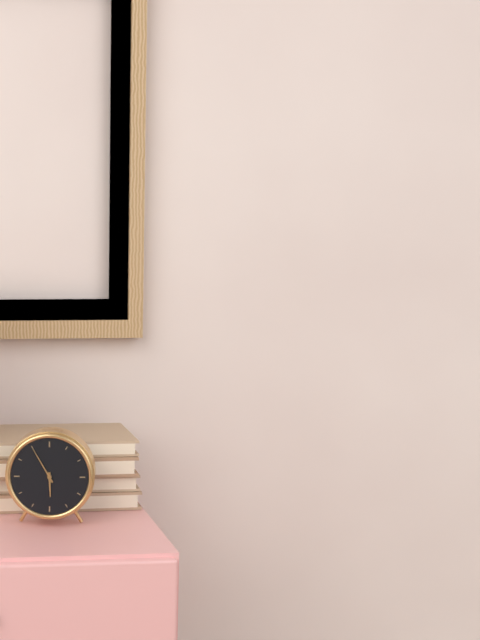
5.55
